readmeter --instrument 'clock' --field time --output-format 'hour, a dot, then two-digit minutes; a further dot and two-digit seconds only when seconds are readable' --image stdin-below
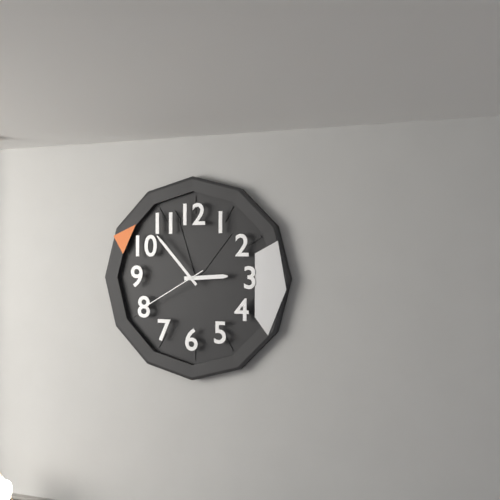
2.53.40
